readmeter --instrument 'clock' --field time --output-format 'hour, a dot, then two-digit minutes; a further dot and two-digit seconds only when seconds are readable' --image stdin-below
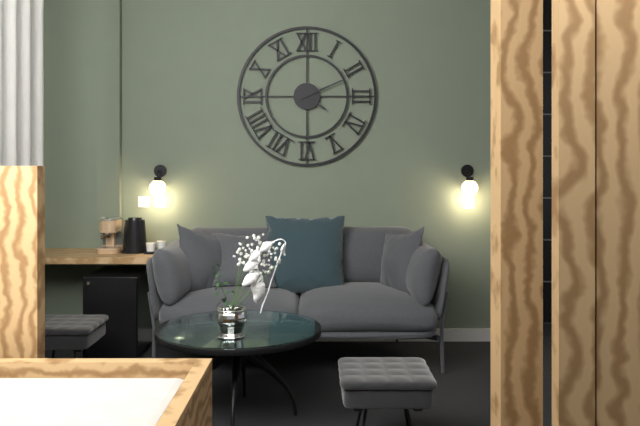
4.11
